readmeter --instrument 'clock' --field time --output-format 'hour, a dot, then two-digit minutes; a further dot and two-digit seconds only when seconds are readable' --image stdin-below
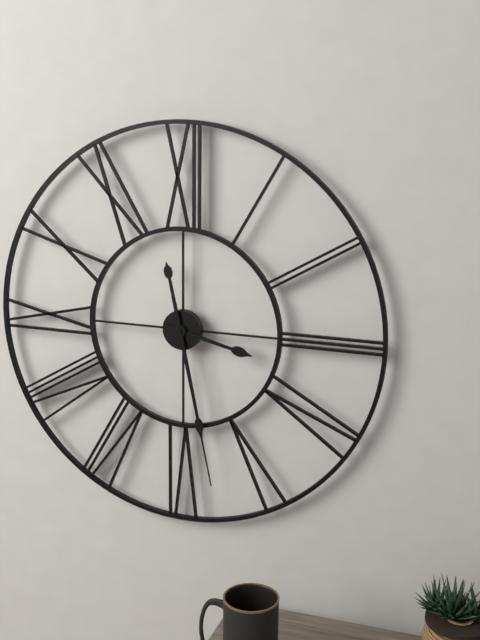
3.28
